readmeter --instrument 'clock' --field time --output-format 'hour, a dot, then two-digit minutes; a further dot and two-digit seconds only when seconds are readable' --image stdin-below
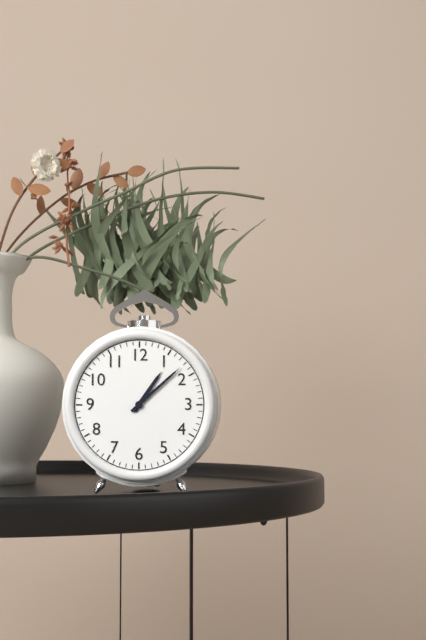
1.08
